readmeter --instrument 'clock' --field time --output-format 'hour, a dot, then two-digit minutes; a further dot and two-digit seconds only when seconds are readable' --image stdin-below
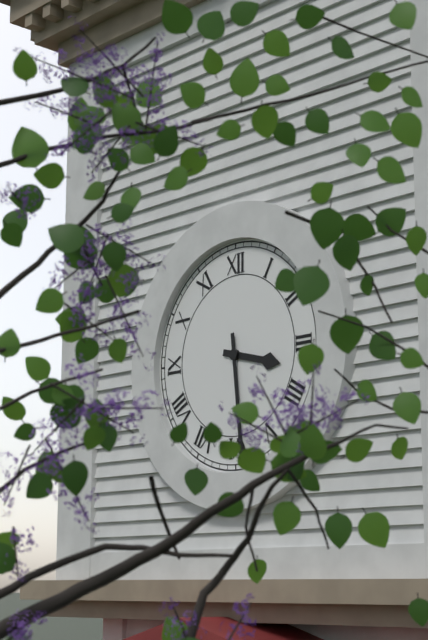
3.29
